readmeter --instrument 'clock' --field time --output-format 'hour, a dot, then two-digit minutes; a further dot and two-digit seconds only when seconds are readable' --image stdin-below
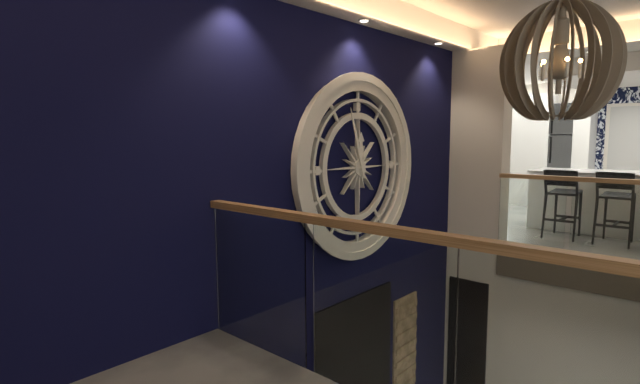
11.57
